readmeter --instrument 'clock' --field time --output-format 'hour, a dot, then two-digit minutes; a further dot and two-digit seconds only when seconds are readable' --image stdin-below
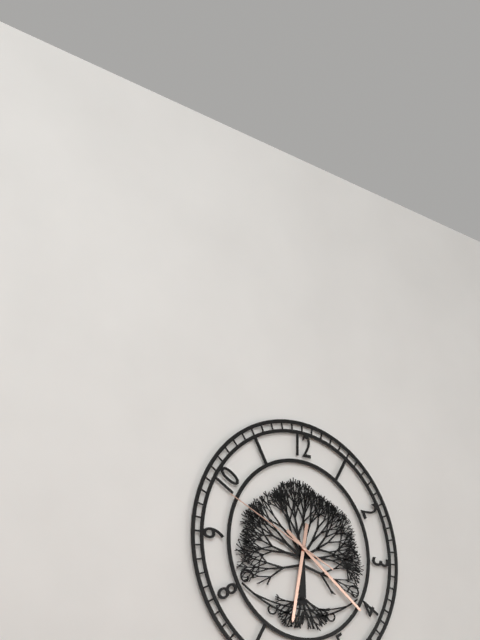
6.21.49
